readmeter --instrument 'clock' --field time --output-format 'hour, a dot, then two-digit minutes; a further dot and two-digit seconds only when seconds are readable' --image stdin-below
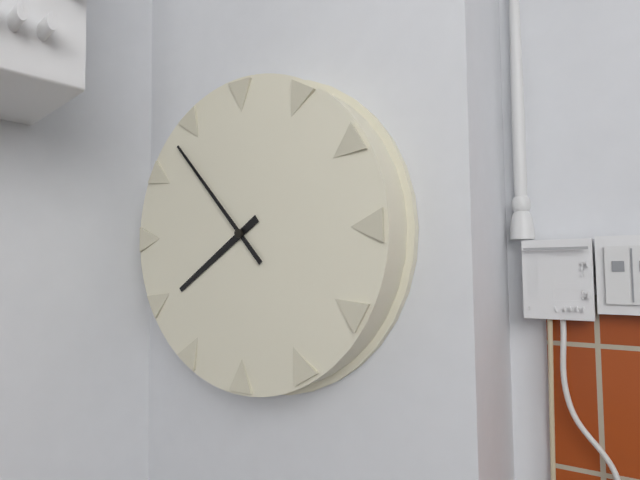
7.53
